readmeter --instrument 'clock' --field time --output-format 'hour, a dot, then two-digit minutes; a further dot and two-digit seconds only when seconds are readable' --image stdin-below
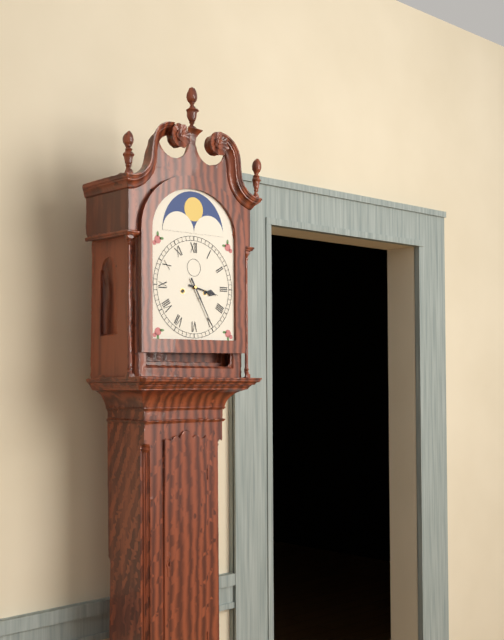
3.25
